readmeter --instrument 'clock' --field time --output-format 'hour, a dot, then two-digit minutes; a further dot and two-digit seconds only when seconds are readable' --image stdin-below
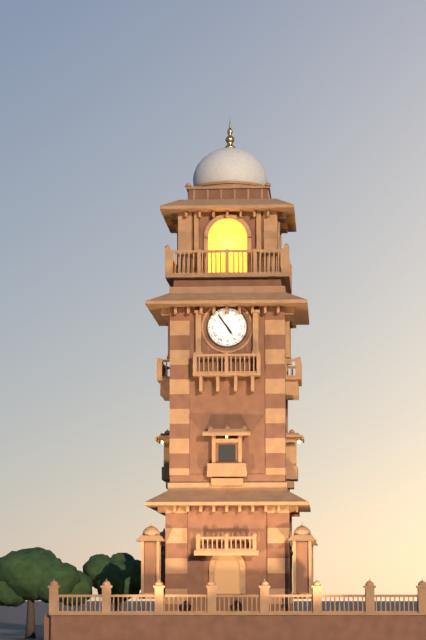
4.54
